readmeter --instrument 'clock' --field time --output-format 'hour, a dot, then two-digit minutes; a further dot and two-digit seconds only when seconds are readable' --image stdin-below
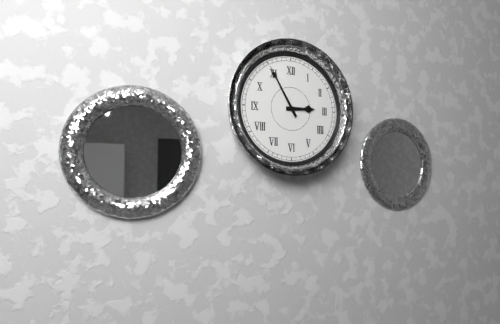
2.55
